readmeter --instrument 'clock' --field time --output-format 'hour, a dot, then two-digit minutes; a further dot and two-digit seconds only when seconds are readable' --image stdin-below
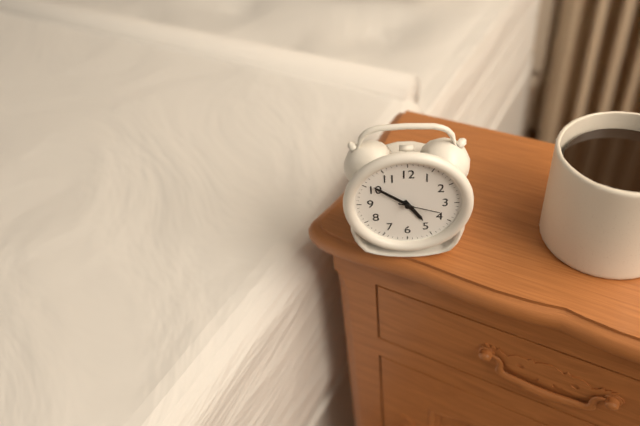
4.51
